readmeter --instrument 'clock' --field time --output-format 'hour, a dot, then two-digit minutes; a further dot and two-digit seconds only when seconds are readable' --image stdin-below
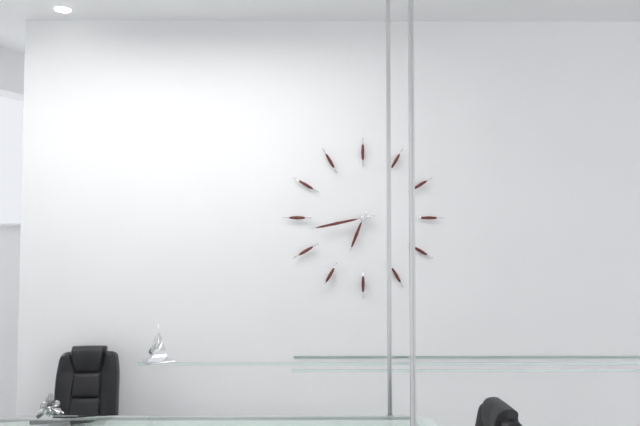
6.43
